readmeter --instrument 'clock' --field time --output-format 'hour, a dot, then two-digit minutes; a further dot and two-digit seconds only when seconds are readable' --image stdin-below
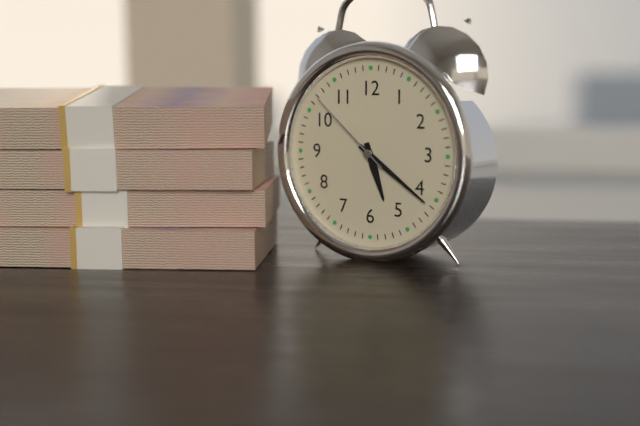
5.21.52
